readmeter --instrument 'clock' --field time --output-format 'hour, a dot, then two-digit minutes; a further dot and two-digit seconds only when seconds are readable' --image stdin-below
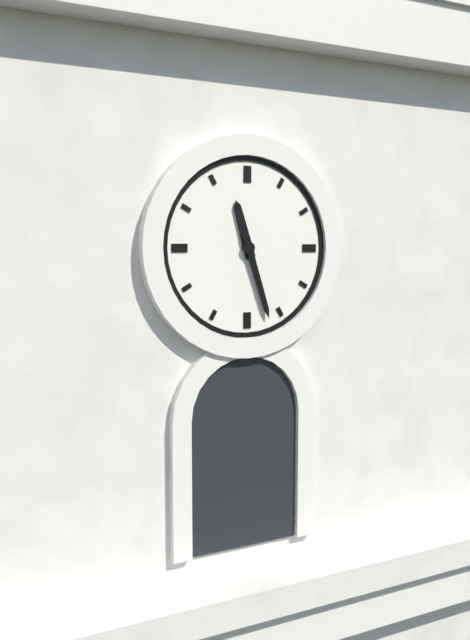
11.27
